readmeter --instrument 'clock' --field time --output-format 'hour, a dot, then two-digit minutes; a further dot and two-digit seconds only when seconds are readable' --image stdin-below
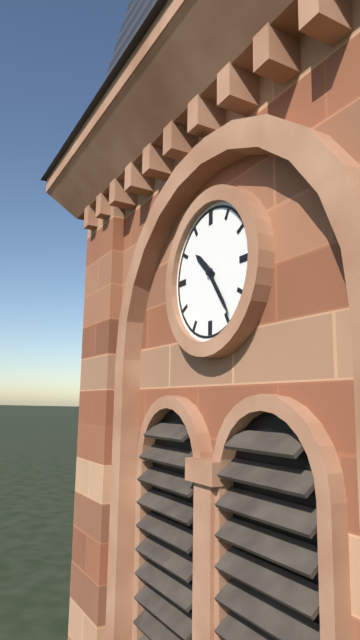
10.24
